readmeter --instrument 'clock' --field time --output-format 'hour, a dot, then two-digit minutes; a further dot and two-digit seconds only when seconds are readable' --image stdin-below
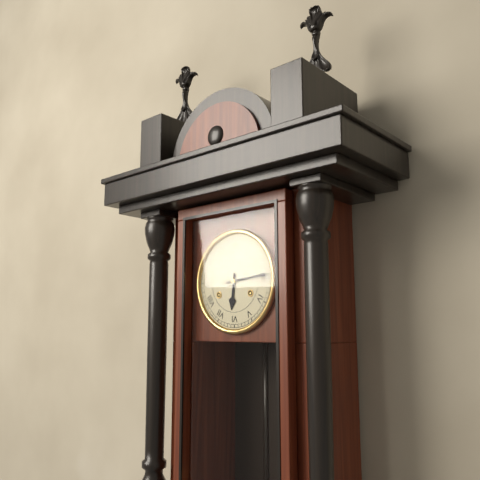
6.14
